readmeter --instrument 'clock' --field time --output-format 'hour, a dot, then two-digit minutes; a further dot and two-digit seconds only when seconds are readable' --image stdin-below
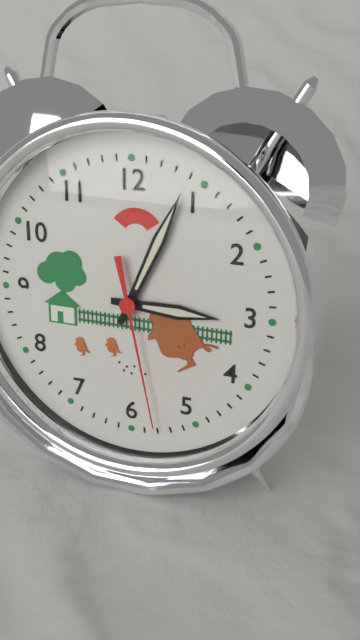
3.04.28
